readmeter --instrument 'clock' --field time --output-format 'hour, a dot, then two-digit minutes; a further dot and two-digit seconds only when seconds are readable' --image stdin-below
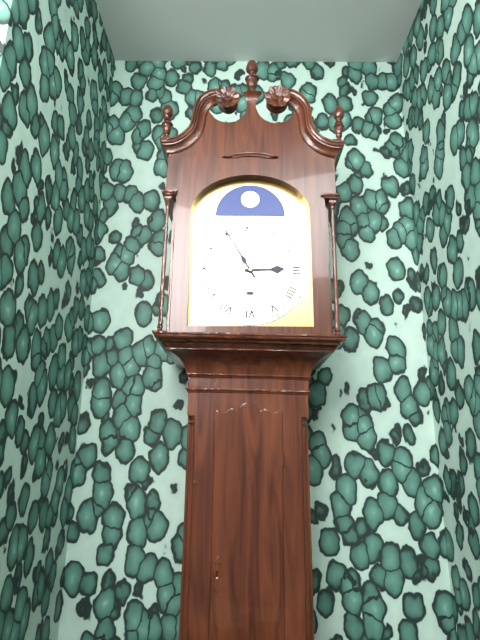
2.55
